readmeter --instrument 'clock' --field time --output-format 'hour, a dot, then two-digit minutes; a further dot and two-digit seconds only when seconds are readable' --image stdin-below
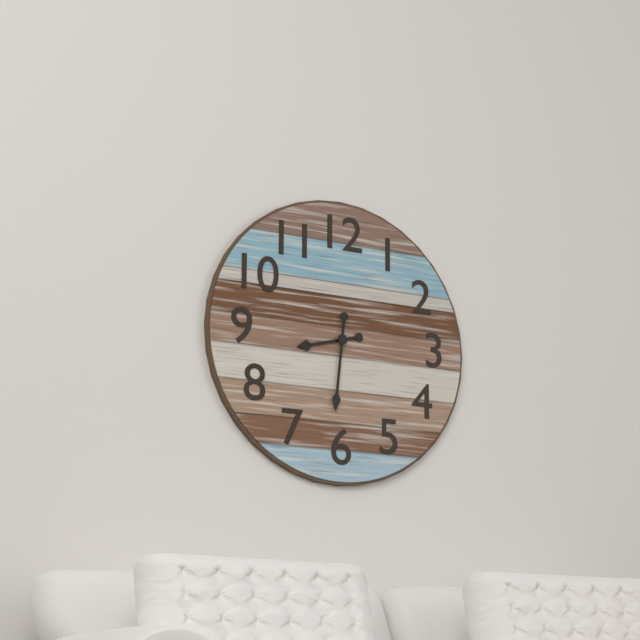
8.31
